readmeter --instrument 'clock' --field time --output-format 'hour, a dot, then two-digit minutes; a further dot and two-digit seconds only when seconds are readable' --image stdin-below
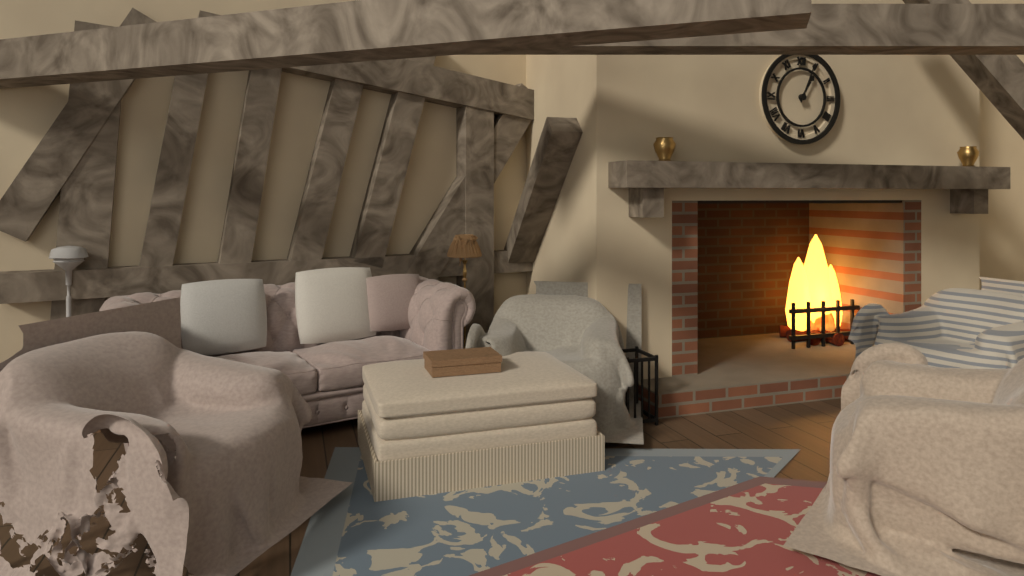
1.04
